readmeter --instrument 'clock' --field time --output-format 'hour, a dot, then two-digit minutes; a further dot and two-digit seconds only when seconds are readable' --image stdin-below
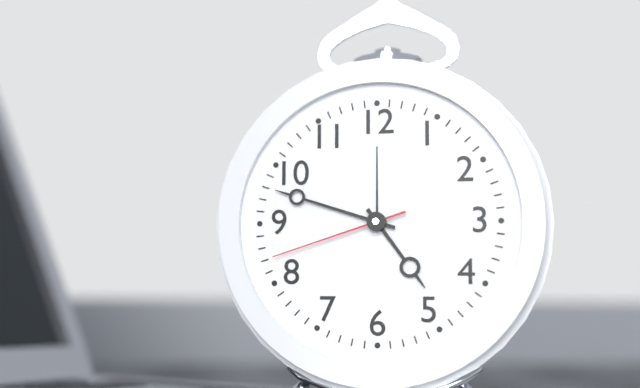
4.48.42
